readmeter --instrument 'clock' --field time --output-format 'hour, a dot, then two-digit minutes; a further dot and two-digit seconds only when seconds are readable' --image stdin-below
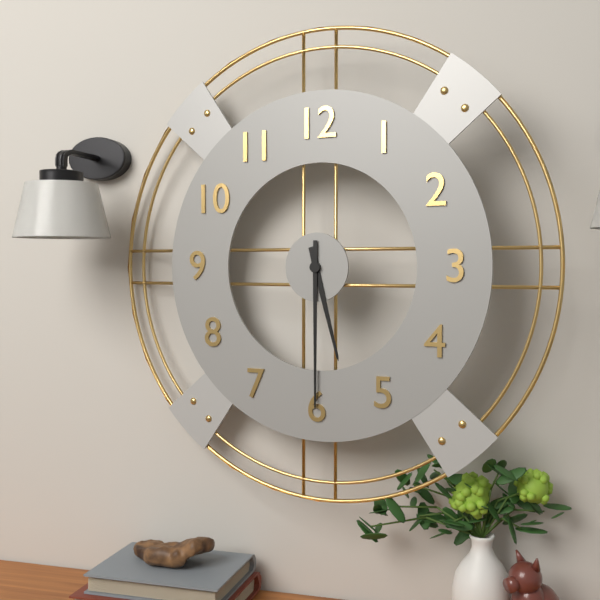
5.30
